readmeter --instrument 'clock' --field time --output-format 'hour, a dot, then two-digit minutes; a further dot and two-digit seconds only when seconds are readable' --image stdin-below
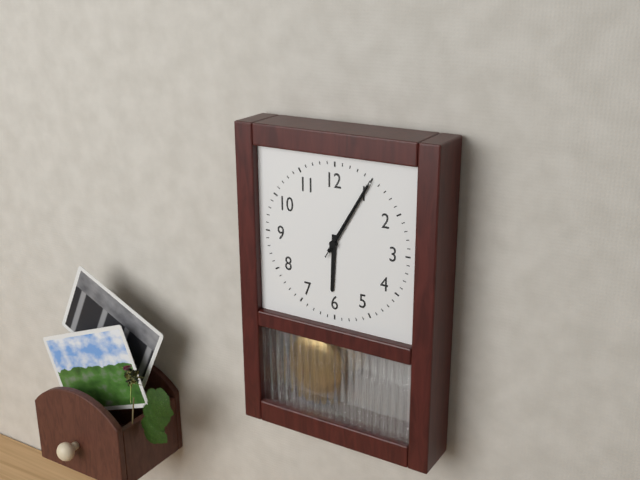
6.05.05
